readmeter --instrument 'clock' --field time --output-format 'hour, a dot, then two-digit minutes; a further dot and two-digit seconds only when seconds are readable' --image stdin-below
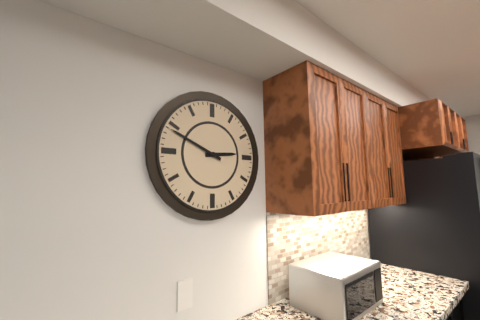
2.49
